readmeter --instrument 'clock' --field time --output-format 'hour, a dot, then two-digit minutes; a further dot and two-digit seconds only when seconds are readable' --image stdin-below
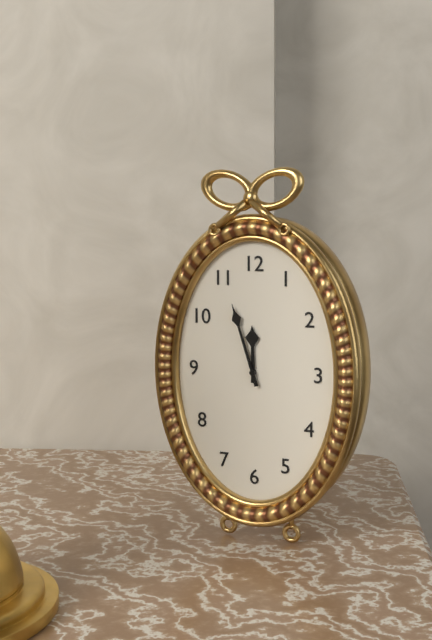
11.57
